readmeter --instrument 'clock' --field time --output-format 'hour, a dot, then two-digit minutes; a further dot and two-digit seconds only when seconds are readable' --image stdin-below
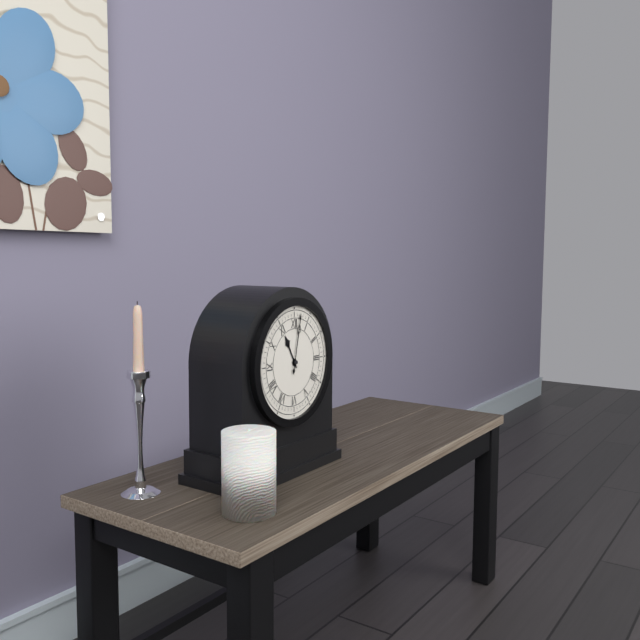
11.02
